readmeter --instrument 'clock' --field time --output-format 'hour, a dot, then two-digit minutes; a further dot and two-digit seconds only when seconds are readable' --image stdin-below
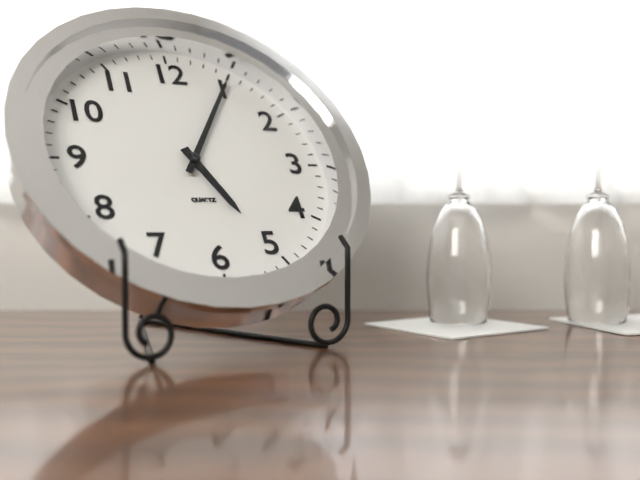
5.05
